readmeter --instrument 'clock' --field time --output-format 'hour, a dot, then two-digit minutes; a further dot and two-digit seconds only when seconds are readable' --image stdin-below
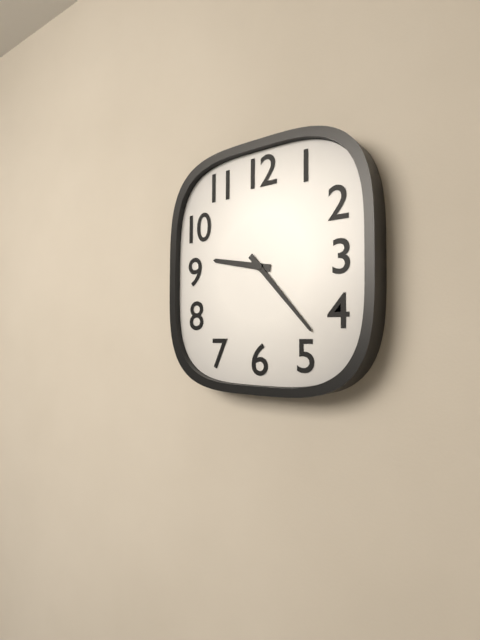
9.23
